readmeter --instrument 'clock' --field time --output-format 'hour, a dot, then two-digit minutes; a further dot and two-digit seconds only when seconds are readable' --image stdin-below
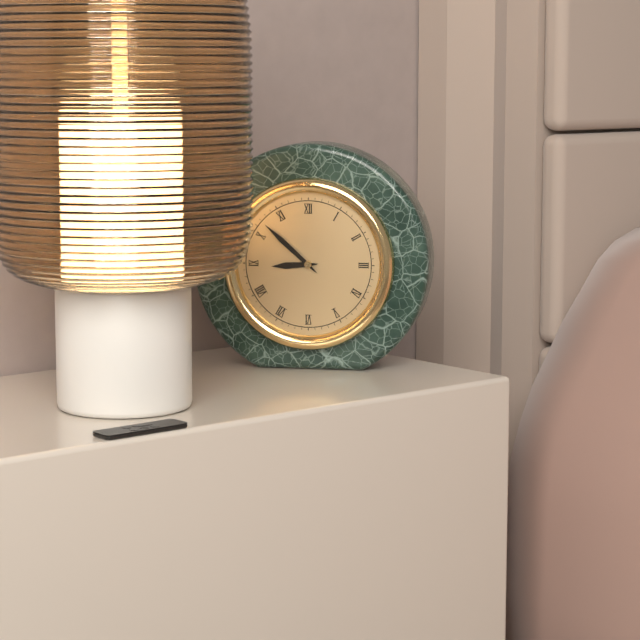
8.52
